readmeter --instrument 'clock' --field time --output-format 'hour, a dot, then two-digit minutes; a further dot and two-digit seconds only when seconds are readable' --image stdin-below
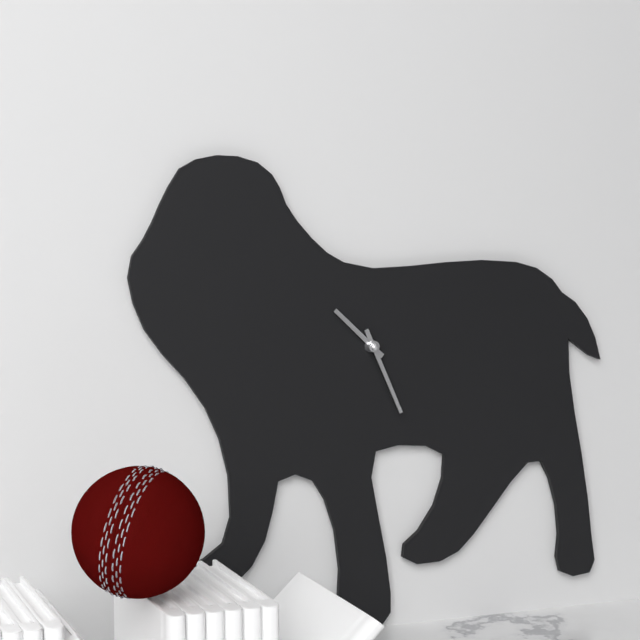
10.26
